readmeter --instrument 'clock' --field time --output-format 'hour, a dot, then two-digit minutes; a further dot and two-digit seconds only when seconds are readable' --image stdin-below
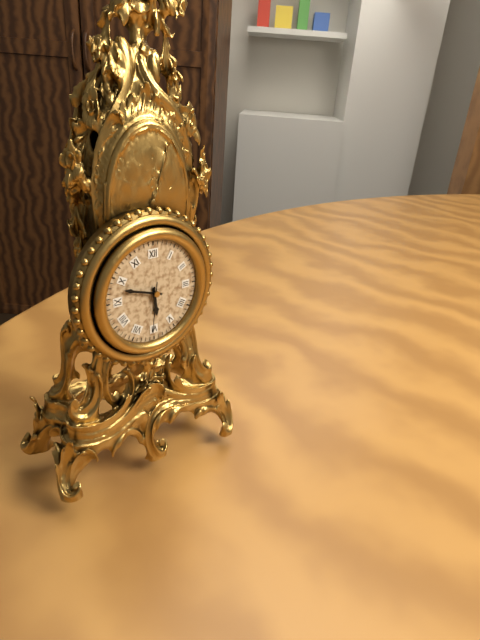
5.48
